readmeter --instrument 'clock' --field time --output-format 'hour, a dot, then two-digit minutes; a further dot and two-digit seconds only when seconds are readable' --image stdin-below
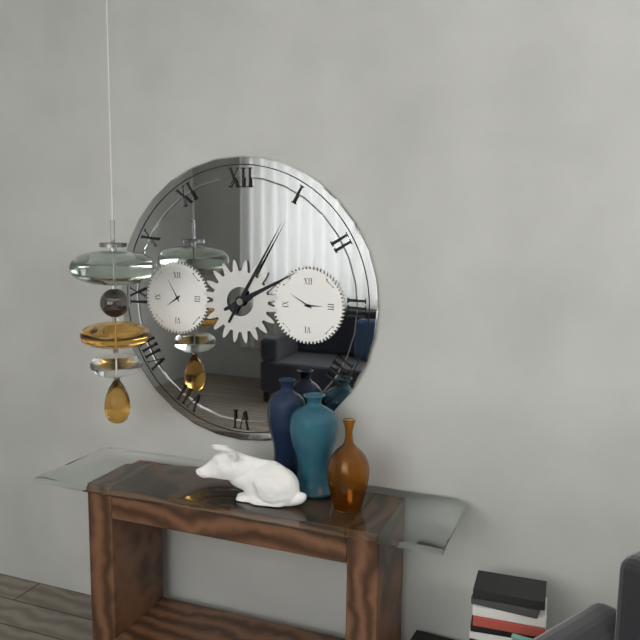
2.05
